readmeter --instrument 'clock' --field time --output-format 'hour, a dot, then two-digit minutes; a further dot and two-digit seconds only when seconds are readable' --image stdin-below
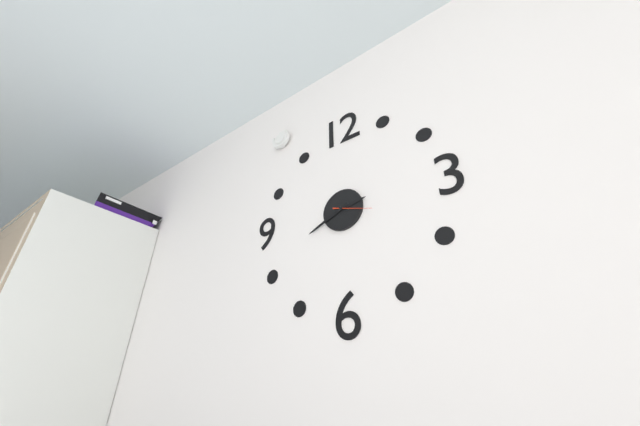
2.41
